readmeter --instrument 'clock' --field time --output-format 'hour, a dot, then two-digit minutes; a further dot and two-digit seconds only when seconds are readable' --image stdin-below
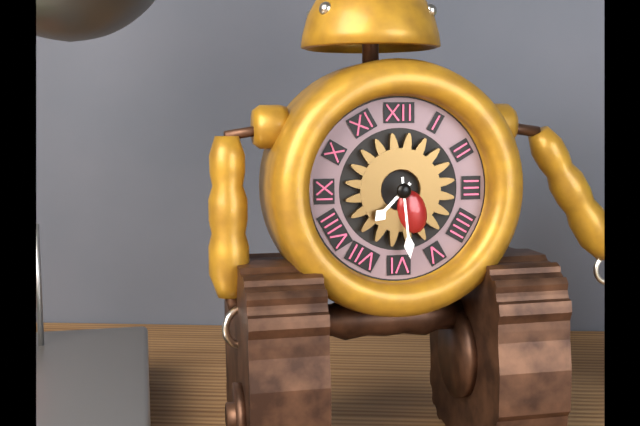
7.29
